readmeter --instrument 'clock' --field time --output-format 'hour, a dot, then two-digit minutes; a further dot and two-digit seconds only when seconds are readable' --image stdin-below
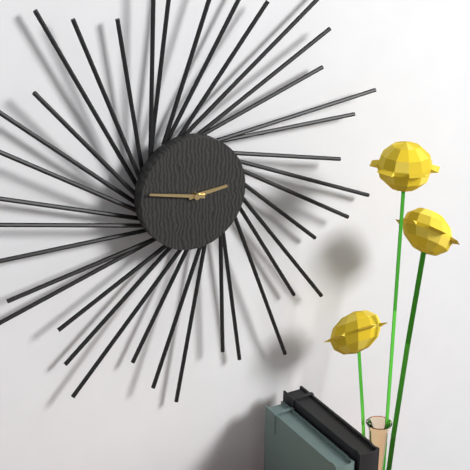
2.47
